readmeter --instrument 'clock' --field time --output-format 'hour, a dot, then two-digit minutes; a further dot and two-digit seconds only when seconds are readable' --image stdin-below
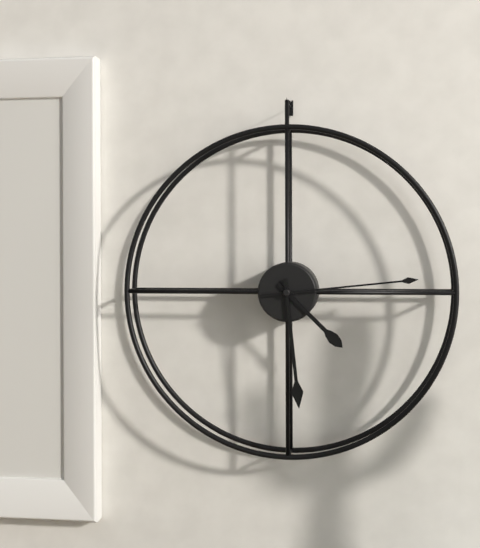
4.29.14
